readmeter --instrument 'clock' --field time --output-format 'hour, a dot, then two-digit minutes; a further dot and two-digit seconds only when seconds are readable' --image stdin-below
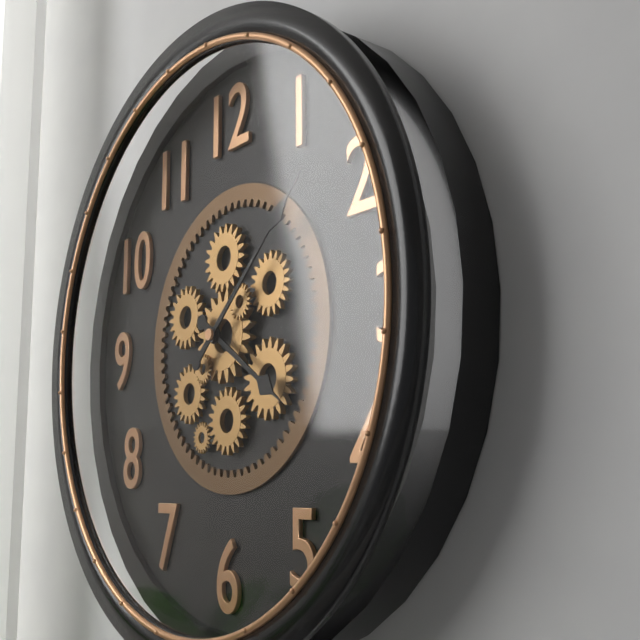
4.08
